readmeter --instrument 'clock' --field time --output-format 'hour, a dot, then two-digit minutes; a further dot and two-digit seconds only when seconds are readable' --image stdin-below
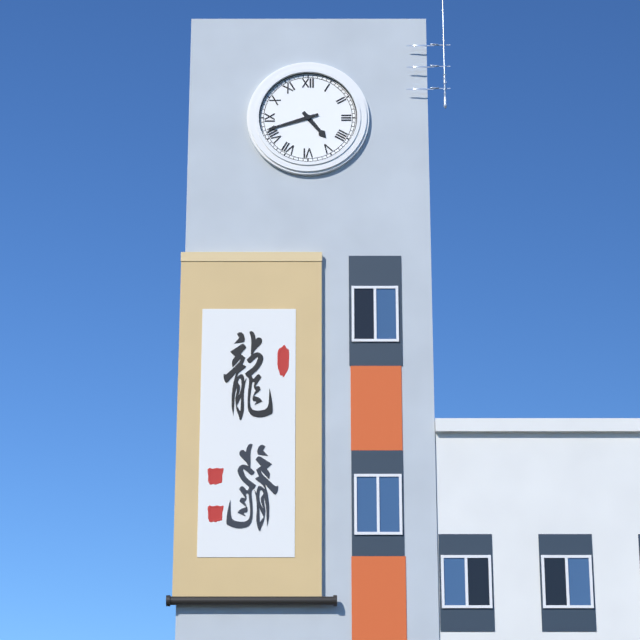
4.42
